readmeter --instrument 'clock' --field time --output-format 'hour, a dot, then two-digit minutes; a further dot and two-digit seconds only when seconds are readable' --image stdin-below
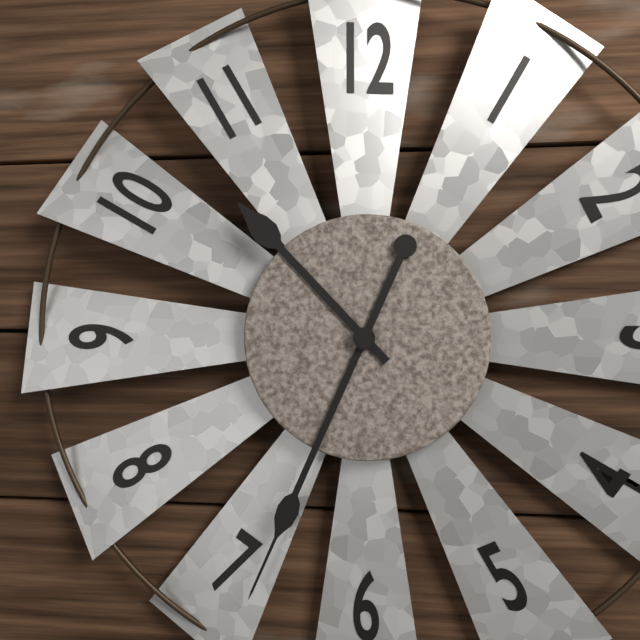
10.34
